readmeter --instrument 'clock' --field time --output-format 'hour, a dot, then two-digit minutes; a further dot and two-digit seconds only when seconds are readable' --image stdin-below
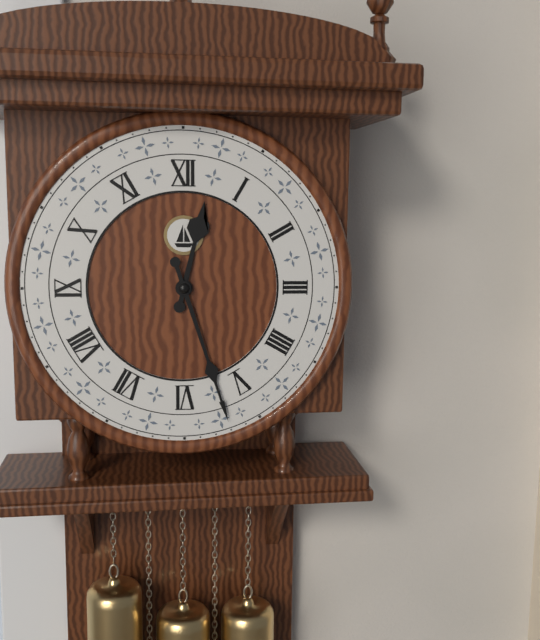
12.27
